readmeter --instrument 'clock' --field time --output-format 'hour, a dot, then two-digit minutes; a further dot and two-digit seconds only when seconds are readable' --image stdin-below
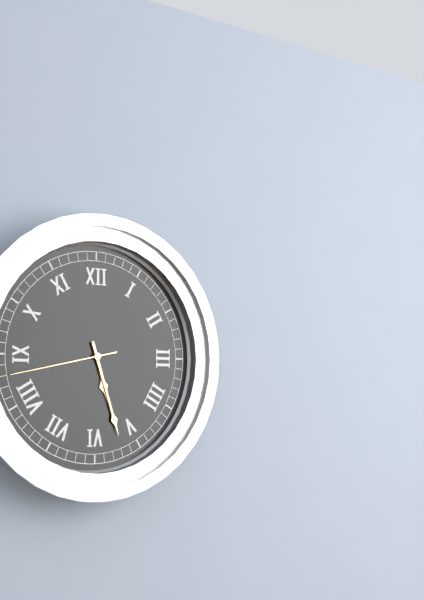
5.27.43
